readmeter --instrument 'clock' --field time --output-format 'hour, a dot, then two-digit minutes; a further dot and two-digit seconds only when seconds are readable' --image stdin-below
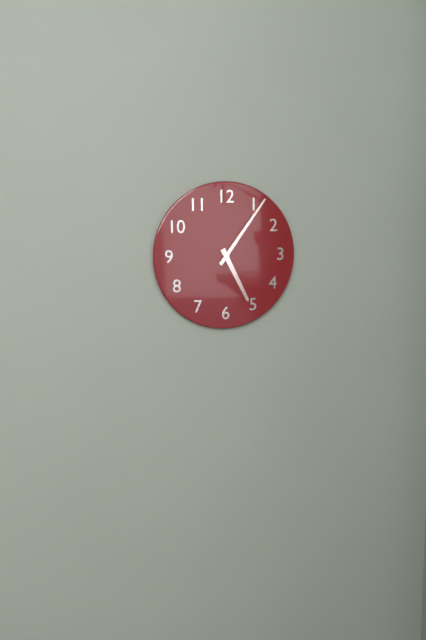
5.06
